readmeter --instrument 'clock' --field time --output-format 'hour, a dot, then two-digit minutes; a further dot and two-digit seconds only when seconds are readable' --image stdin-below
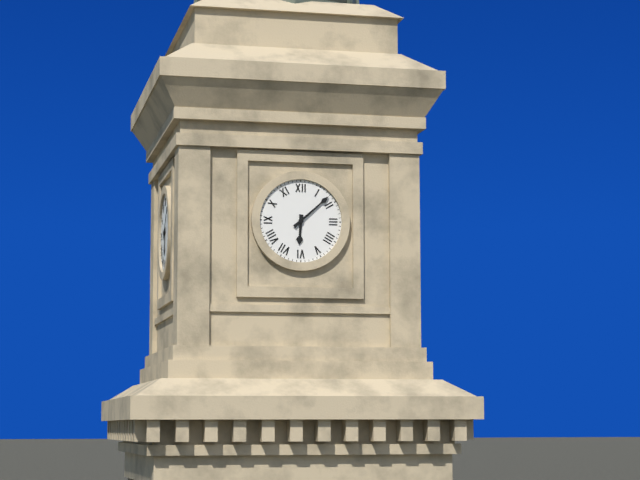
6.08
